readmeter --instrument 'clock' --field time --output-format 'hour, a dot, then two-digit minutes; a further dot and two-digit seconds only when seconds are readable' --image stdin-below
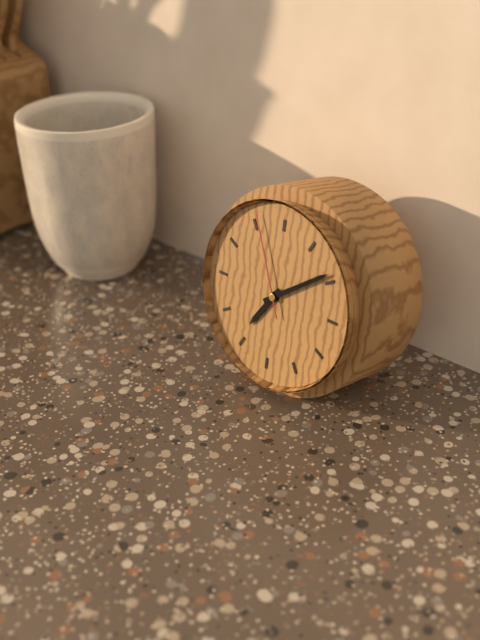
7.09.56
